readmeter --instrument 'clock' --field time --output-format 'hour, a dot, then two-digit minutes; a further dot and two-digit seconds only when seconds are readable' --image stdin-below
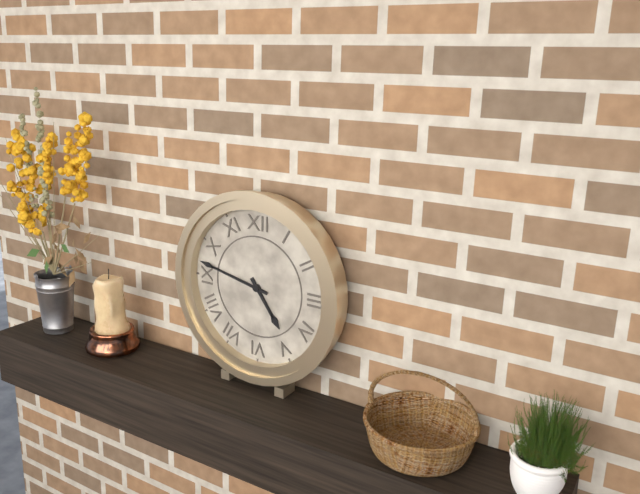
4.47
